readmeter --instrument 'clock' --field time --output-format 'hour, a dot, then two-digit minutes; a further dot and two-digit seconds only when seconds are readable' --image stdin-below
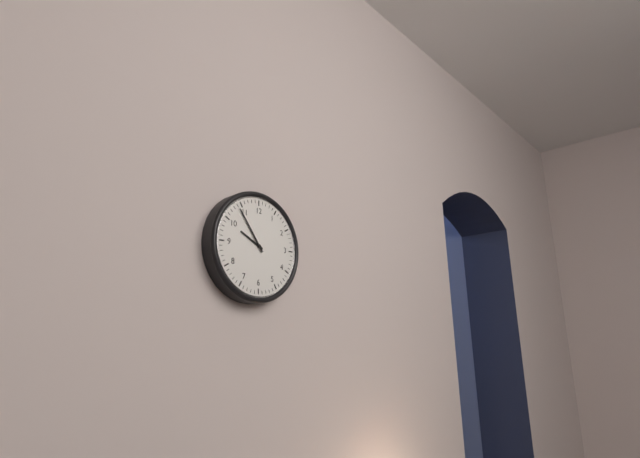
9.54
